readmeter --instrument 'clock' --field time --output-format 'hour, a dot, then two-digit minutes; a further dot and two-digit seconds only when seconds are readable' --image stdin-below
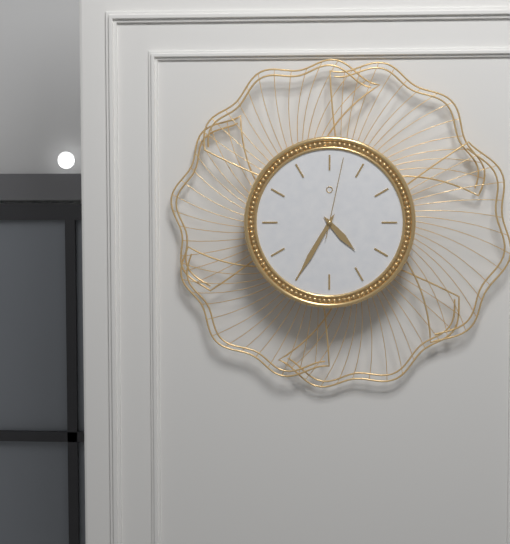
4.35.02
